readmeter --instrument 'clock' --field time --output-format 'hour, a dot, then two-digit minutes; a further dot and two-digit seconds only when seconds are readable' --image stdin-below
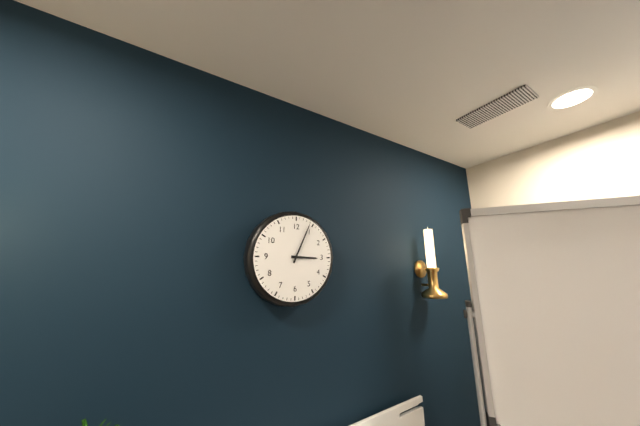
3.04
